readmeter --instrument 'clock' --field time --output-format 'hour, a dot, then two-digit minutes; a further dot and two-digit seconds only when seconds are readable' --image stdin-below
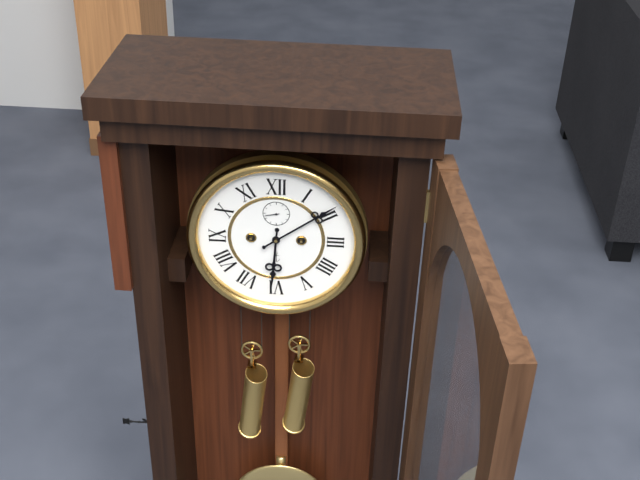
6.09
